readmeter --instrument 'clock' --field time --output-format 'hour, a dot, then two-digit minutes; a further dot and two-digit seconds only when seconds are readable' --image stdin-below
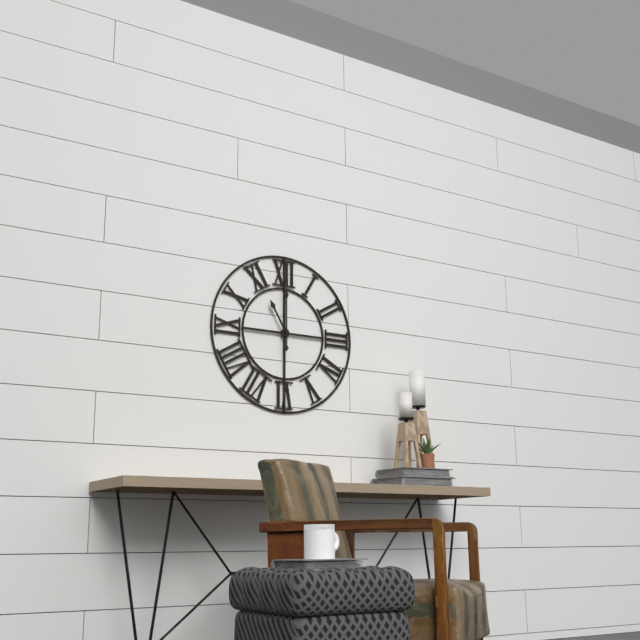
11.00
